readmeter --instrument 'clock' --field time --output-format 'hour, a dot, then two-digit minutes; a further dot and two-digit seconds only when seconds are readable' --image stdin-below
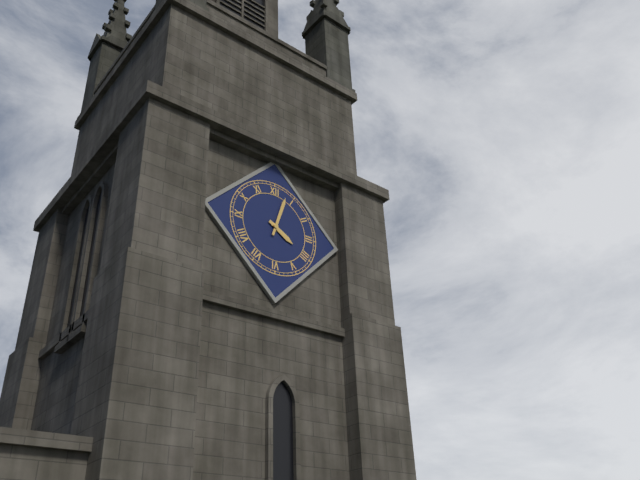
4.03
